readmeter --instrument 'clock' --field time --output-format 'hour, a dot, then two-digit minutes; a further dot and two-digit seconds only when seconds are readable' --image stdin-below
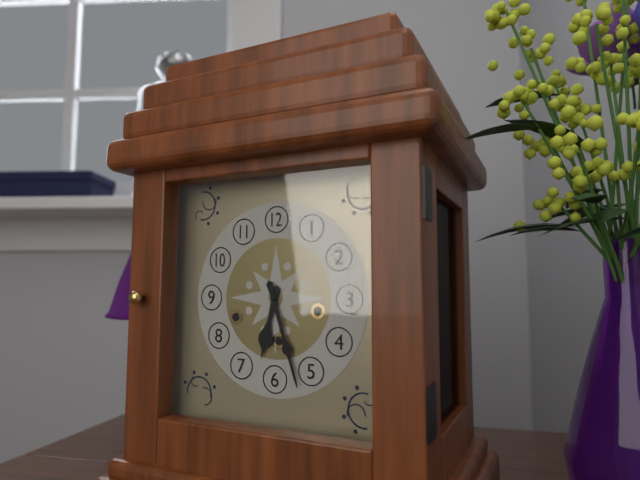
6.27
